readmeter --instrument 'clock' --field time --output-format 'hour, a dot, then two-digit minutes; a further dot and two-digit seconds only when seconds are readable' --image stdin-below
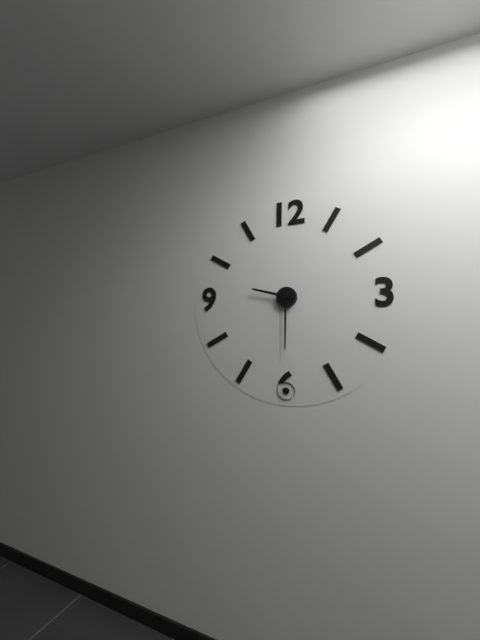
9.30
